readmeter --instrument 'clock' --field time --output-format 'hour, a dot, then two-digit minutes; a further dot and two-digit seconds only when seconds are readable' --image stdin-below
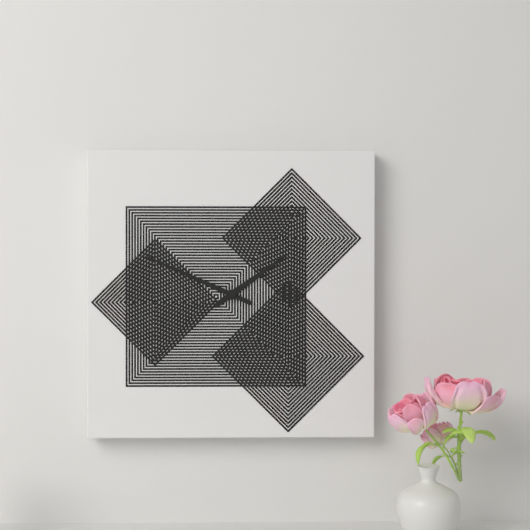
1.49
